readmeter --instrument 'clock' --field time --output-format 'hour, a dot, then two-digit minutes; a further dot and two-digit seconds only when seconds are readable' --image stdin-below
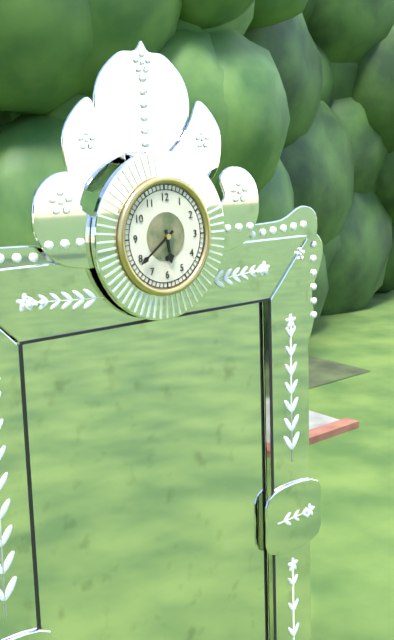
5.39
